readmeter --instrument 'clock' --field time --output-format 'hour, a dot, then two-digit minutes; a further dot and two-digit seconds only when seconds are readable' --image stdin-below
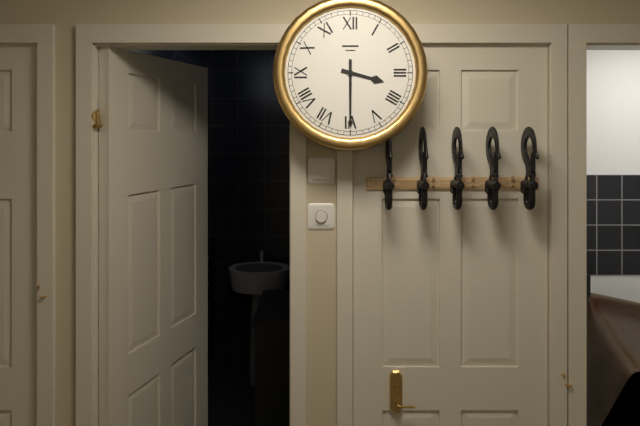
3.30
